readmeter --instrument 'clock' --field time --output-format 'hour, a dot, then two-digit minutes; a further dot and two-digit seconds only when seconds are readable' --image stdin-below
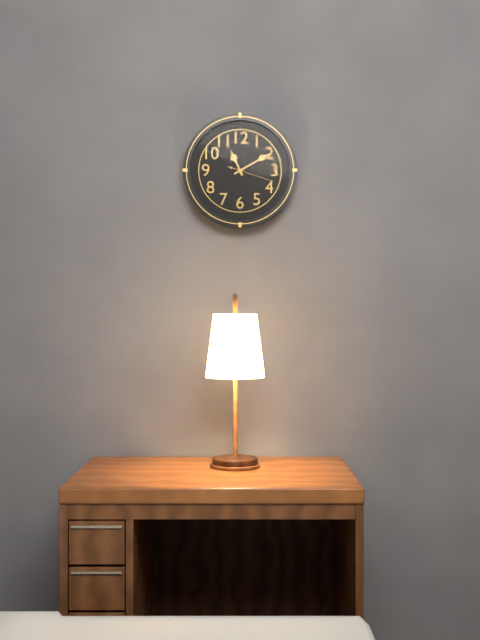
11.10
